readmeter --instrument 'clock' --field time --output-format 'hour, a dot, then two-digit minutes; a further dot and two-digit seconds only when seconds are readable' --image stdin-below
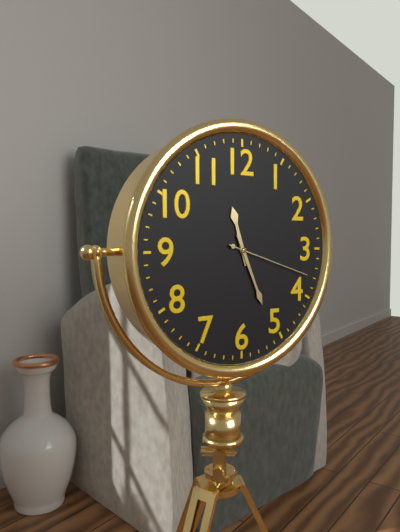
11.26.18
